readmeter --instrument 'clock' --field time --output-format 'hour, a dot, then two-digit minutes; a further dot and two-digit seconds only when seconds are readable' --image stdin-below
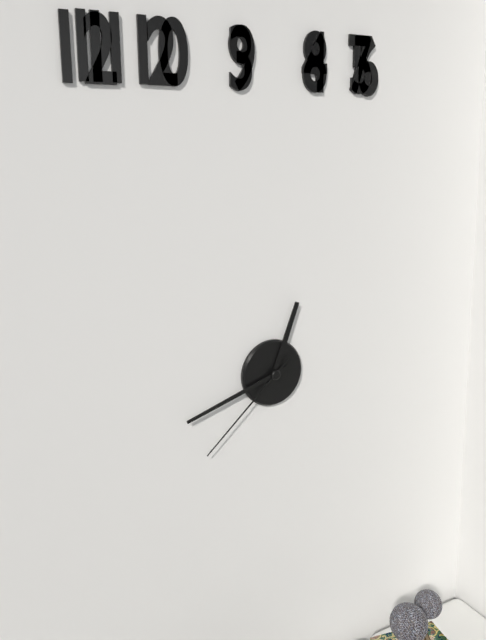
12.42.38
